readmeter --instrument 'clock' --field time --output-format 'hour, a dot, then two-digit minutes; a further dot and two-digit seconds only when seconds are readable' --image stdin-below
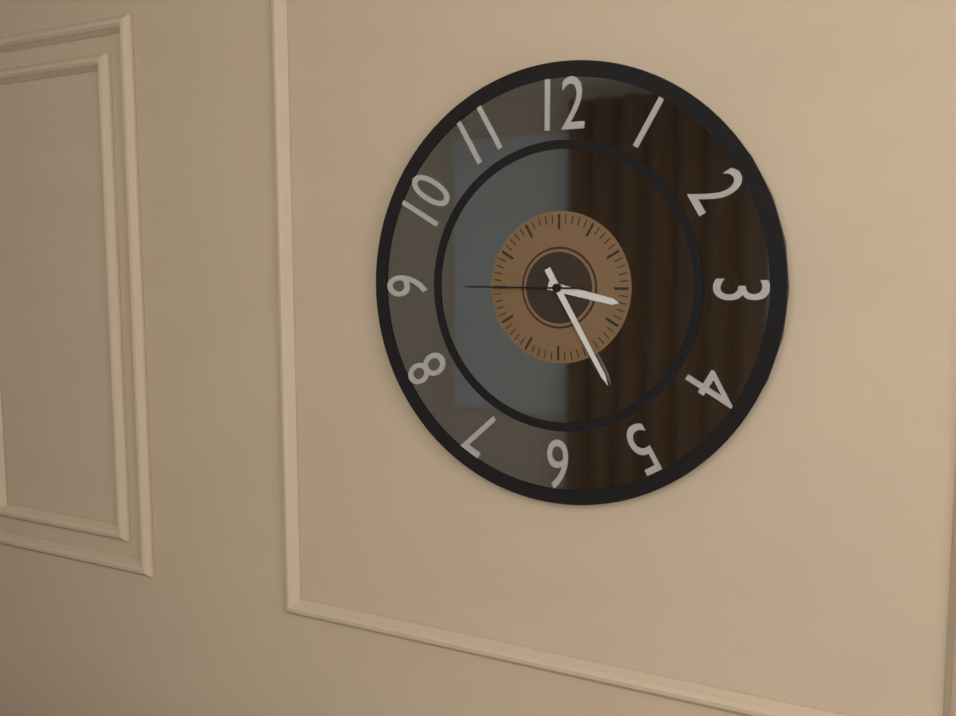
3.25.45
